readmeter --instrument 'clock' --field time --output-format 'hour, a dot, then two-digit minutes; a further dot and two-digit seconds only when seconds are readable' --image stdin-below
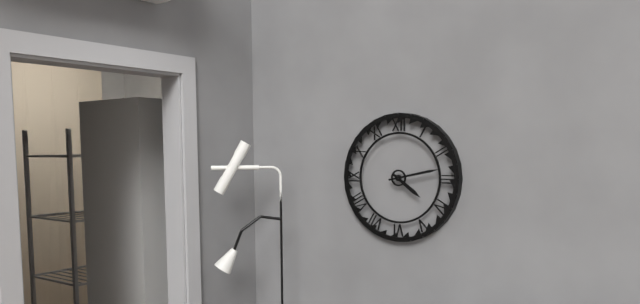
4.13
